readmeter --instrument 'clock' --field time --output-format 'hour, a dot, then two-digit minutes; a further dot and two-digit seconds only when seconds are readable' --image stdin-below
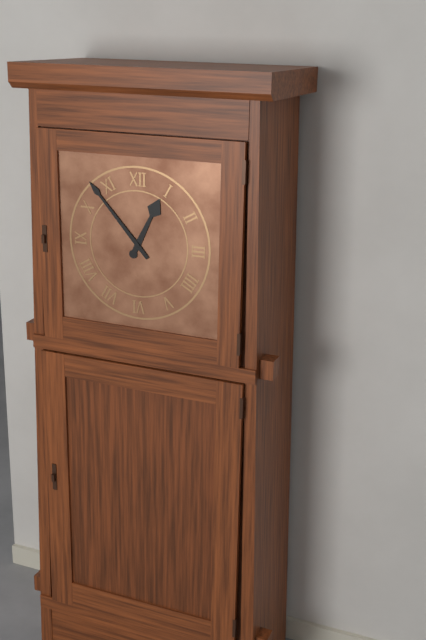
12.53
